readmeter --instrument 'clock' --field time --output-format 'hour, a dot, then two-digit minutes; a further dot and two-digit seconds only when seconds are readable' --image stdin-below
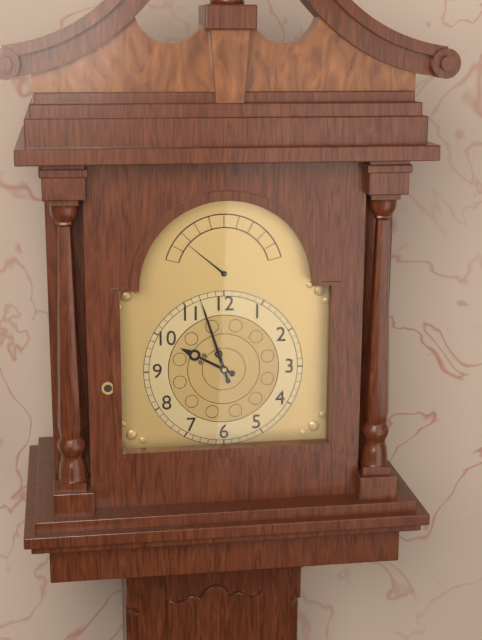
9.57
